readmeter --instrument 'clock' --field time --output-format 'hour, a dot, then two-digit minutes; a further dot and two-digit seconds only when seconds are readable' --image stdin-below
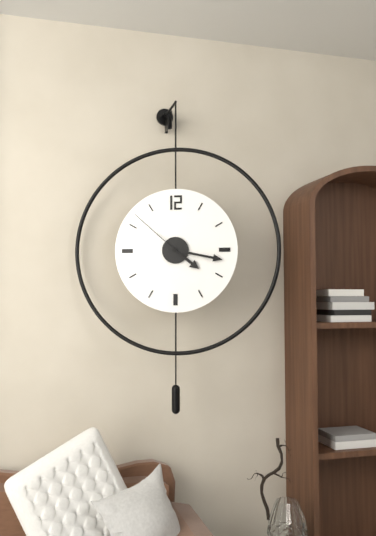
4.17.52
